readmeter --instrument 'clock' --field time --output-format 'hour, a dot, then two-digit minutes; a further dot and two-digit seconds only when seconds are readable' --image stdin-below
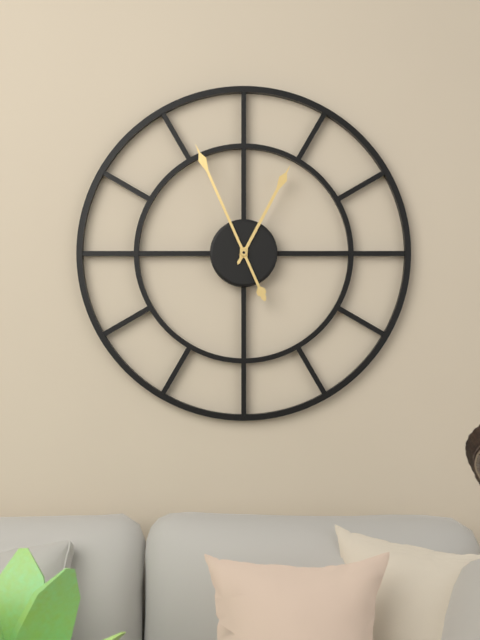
12.56
